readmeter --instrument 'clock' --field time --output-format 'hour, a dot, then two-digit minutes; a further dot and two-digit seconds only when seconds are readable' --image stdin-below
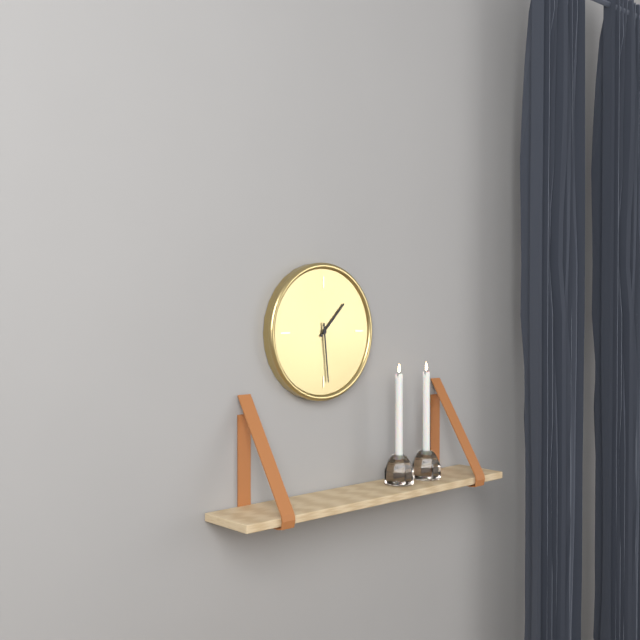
1.29
